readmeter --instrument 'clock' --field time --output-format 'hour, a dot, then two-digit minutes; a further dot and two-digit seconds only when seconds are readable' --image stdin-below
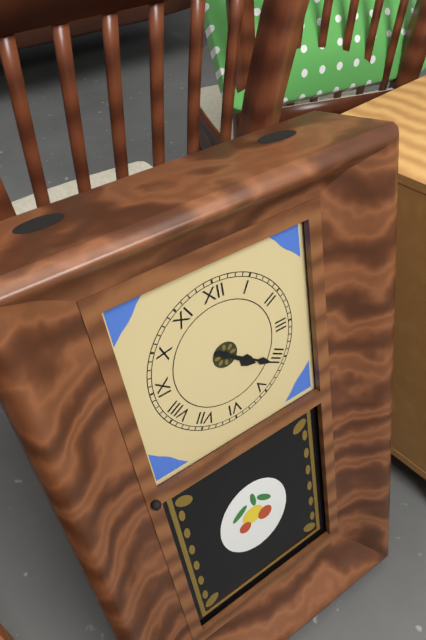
4.21
